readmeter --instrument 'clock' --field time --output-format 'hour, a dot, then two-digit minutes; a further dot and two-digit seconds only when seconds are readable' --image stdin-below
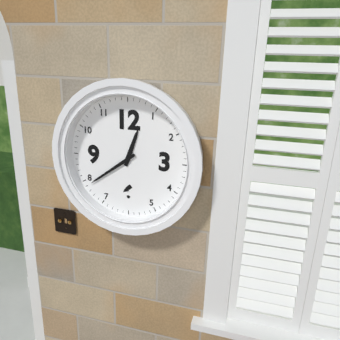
12.39
